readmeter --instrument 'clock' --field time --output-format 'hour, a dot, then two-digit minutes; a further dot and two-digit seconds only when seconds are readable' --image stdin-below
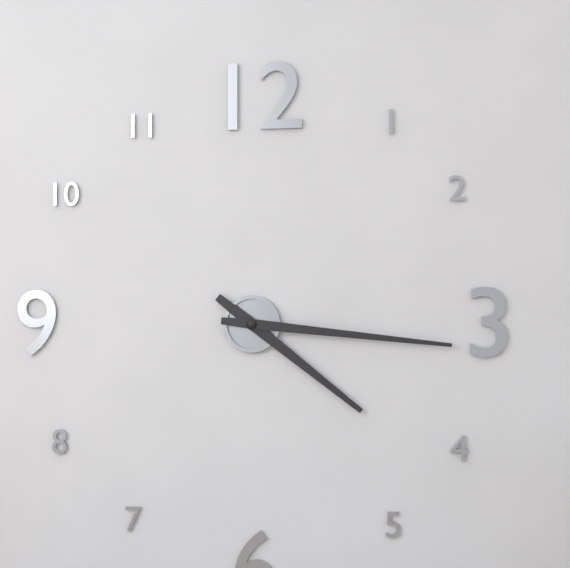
4.16
